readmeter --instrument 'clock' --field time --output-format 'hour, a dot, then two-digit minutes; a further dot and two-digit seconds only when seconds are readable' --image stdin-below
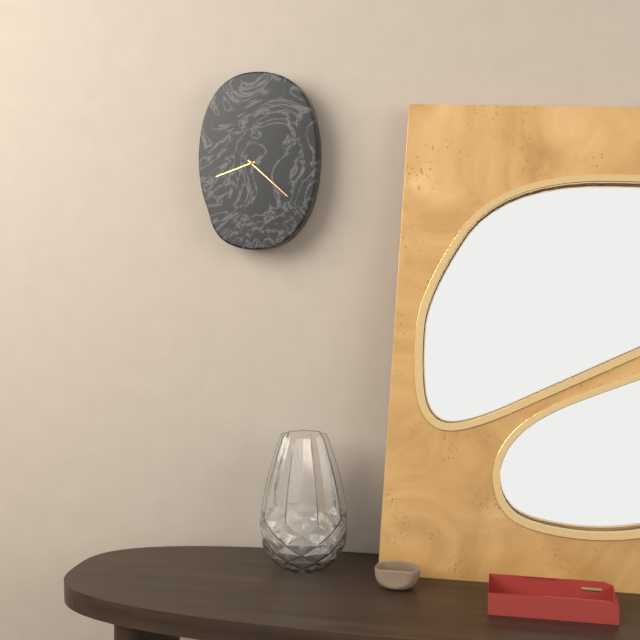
8.22
